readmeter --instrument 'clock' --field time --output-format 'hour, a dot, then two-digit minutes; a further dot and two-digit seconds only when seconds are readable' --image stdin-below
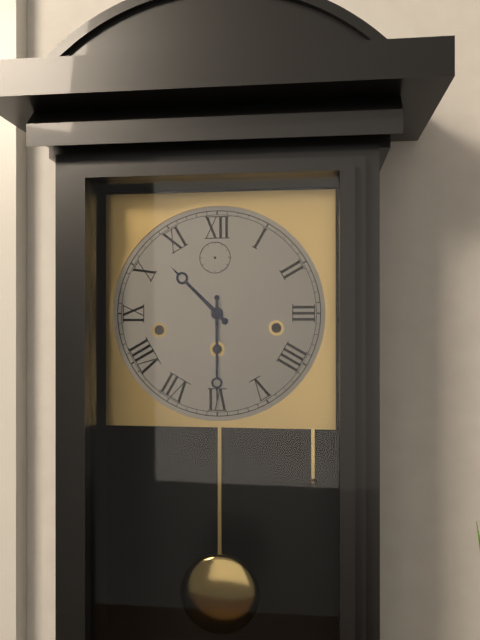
10.30
